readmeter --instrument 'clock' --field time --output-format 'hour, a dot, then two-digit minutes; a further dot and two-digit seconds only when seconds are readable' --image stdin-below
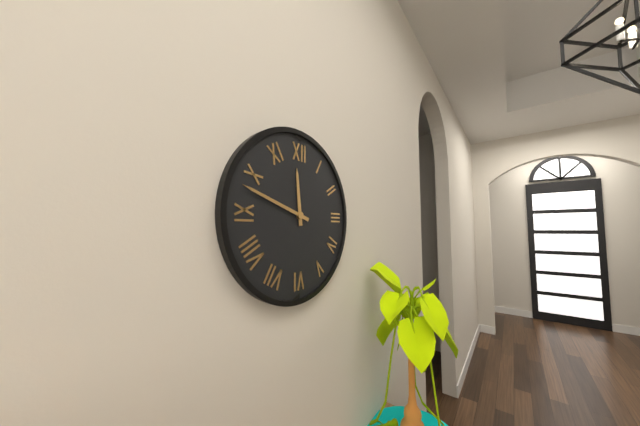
11.48
